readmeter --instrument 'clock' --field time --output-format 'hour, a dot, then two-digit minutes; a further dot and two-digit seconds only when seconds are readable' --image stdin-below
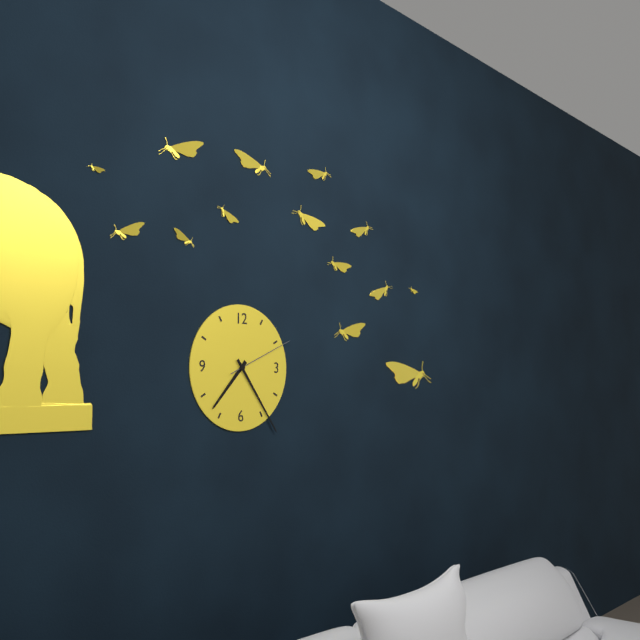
7.24.11
